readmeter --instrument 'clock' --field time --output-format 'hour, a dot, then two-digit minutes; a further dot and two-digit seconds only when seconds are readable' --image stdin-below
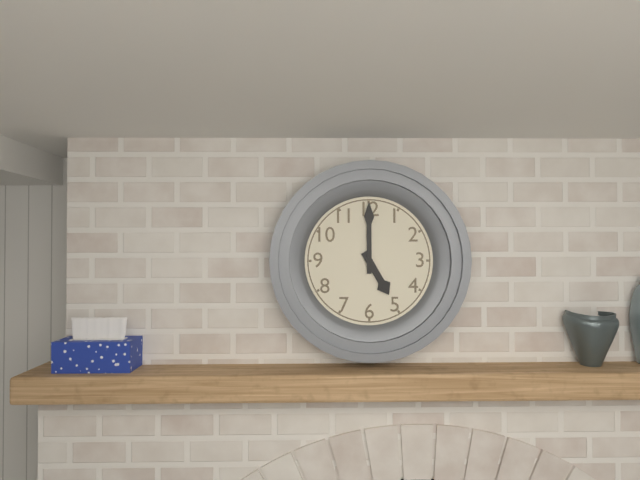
5.00
